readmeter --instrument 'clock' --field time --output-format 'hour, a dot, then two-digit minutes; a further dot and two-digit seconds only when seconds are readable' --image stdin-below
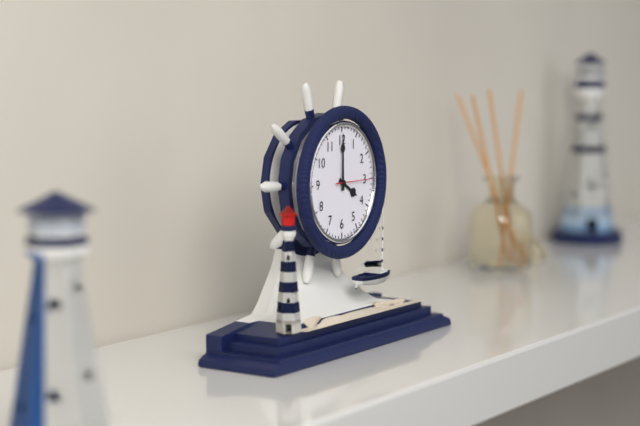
4.00
